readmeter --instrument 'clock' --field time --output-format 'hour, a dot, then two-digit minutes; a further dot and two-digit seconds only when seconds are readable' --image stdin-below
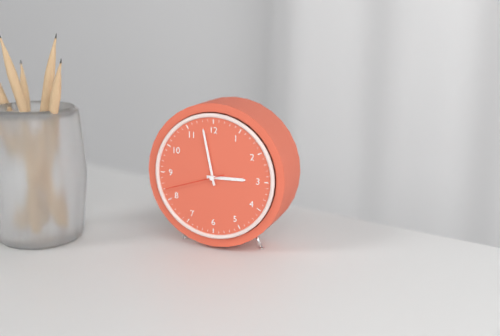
2.58.42
